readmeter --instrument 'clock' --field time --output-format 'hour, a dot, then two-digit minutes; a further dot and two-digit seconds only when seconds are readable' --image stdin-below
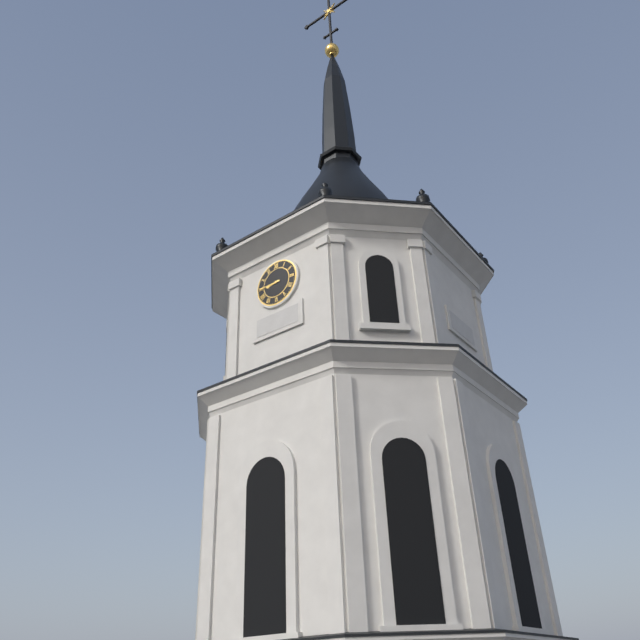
8.45
